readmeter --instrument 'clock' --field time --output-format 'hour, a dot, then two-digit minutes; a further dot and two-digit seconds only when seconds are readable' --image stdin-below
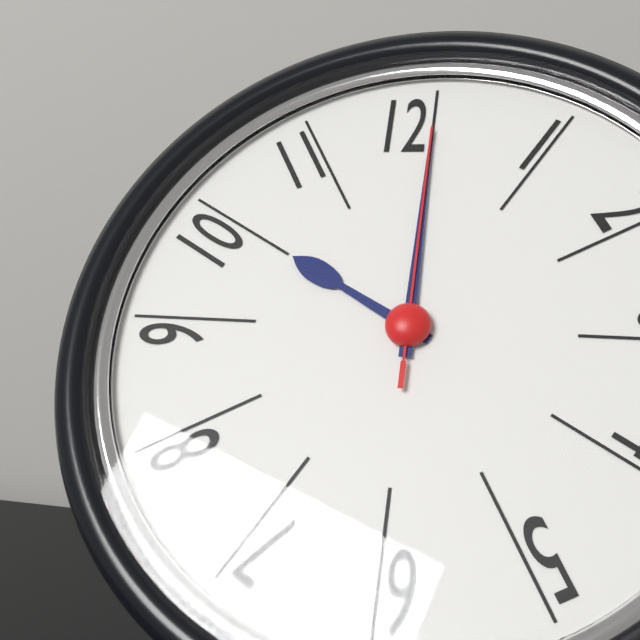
10.00.00
